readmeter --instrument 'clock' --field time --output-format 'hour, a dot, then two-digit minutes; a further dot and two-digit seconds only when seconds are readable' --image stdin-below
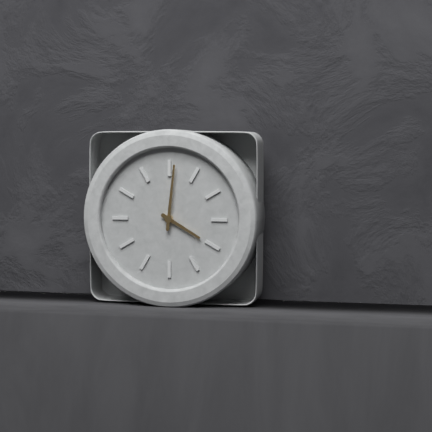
4.01
